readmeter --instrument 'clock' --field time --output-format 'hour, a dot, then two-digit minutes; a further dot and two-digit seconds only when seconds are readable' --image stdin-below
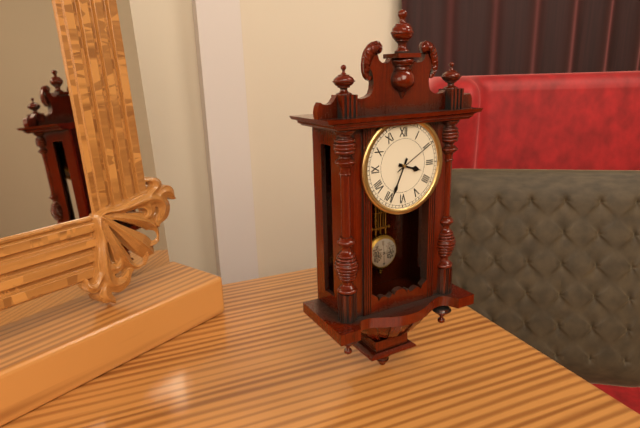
3.34
